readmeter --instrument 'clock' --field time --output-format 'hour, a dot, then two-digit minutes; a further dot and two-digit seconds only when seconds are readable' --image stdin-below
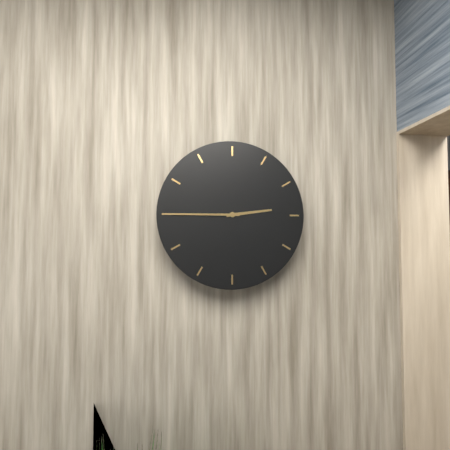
2.45
